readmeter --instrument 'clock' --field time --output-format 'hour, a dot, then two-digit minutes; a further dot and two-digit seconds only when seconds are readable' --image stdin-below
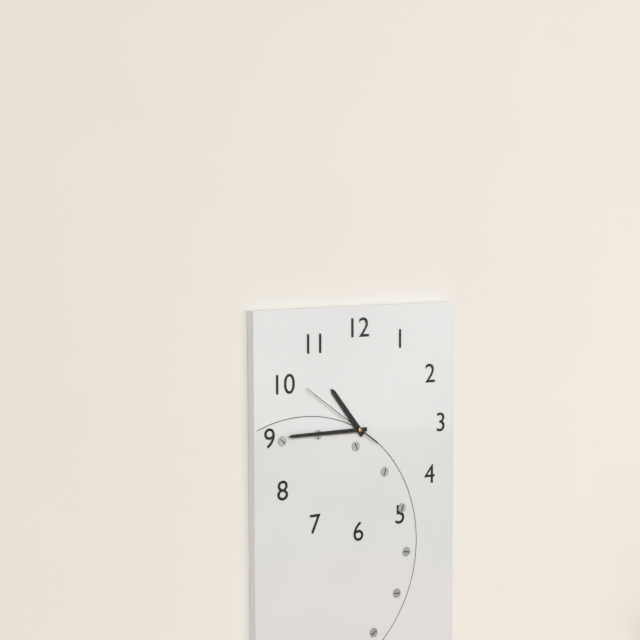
10.45.51
